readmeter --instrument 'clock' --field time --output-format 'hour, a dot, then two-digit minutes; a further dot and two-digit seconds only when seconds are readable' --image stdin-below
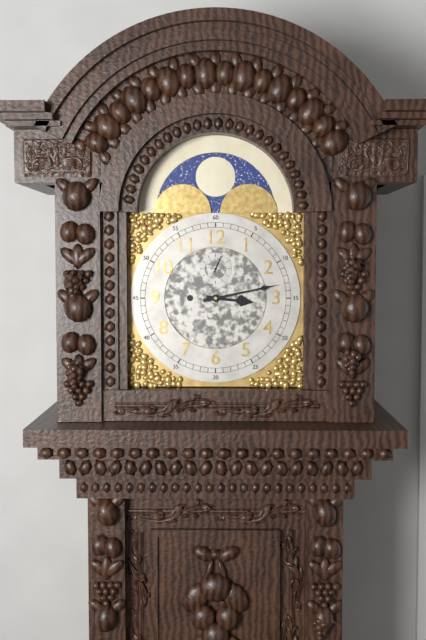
3.13
